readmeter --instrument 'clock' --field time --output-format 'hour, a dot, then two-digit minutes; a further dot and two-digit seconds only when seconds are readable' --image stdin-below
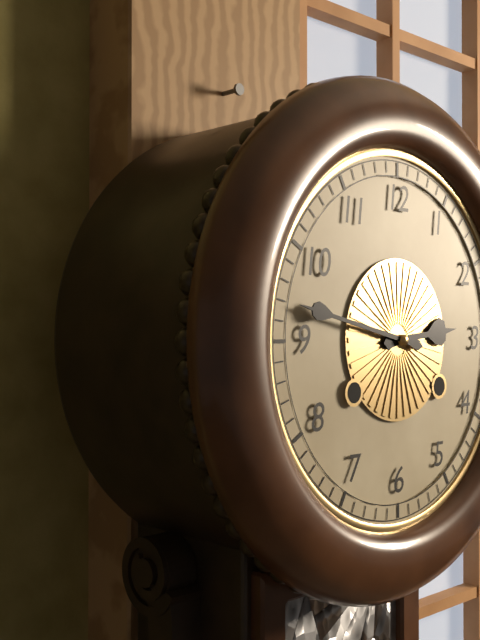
2.47
